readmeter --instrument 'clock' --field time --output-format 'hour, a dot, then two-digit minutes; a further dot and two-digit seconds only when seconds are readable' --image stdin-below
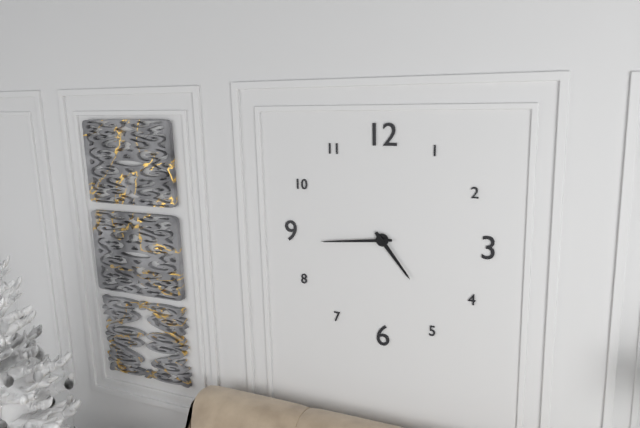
4.44
